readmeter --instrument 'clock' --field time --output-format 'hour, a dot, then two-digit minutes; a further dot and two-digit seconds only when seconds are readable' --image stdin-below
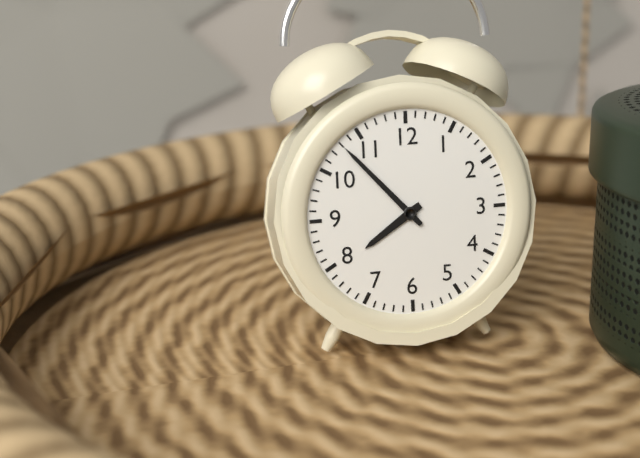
7.53
